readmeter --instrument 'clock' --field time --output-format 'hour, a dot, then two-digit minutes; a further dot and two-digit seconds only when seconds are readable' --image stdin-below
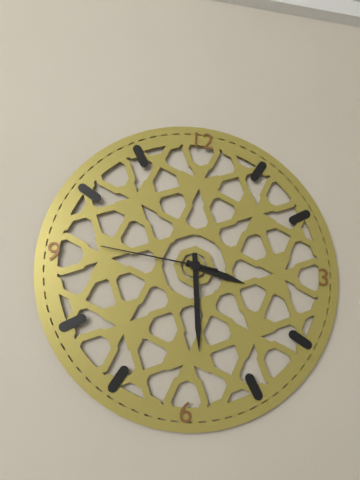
3.29.46
